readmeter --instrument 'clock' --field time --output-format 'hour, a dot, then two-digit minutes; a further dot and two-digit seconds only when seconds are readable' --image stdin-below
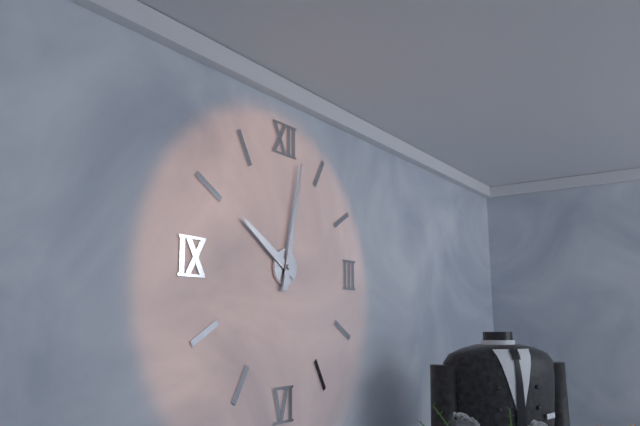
10.02
